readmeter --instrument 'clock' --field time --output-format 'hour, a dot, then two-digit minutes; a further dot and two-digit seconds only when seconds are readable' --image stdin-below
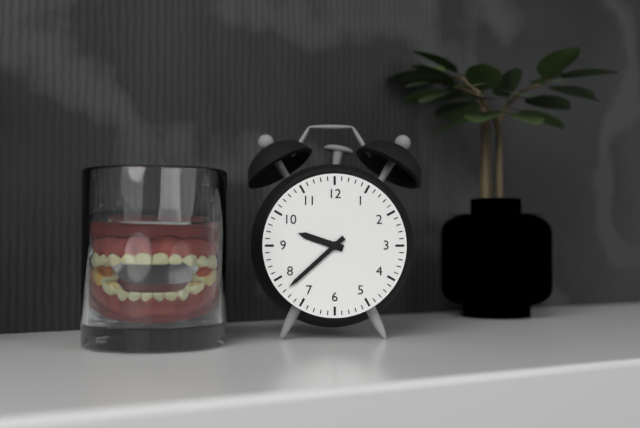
9.38
